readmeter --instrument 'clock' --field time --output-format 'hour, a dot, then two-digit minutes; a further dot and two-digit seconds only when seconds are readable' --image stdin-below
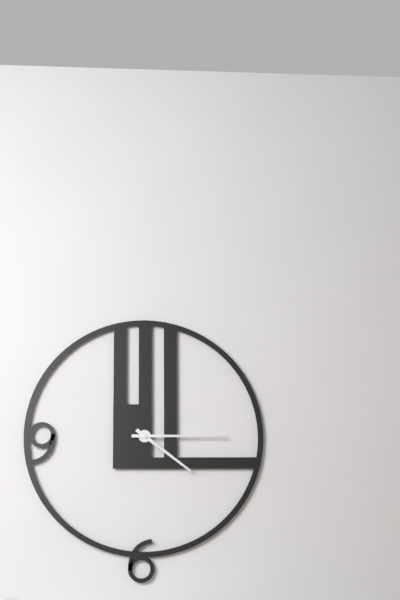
4.15
